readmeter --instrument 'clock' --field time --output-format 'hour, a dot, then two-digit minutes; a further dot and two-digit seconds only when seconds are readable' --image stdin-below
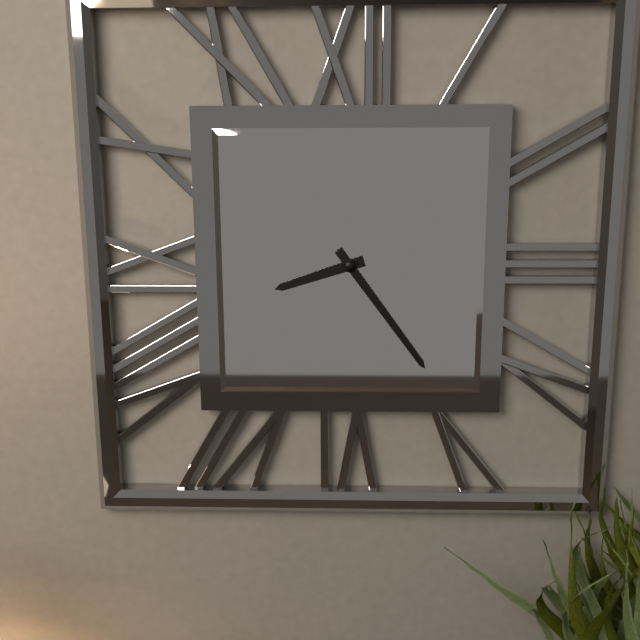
8.24
